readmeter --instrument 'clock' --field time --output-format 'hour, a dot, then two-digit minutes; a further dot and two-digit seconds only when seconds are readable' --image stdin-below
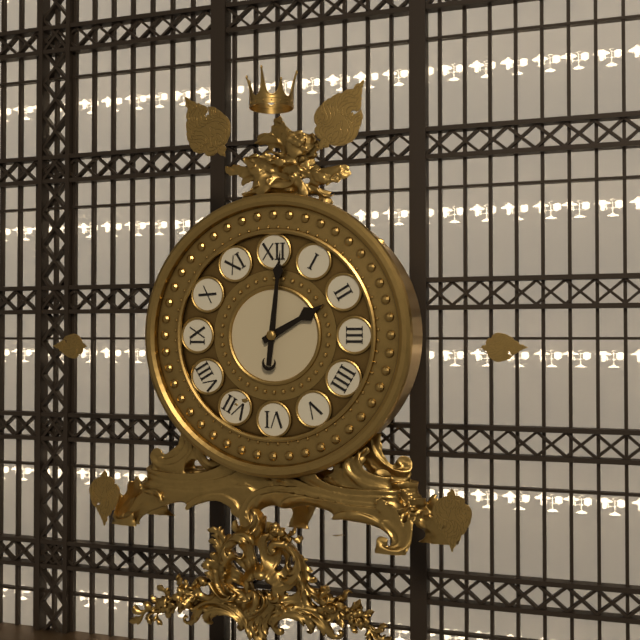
2.01
